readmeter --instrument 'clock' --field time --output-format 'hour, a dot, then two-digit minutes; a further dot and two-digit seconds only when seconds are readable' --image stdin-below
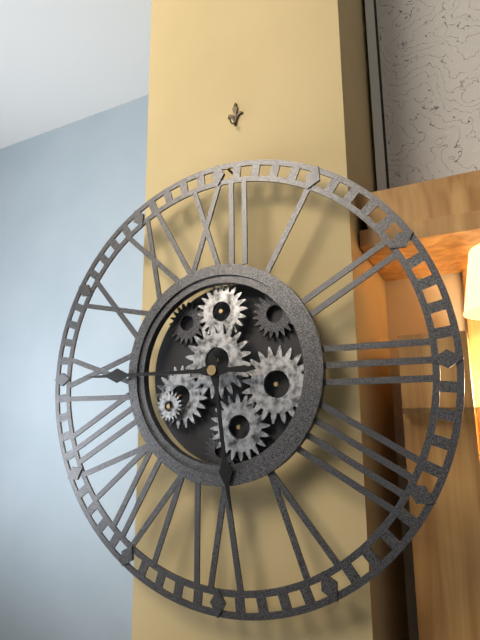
5.45
